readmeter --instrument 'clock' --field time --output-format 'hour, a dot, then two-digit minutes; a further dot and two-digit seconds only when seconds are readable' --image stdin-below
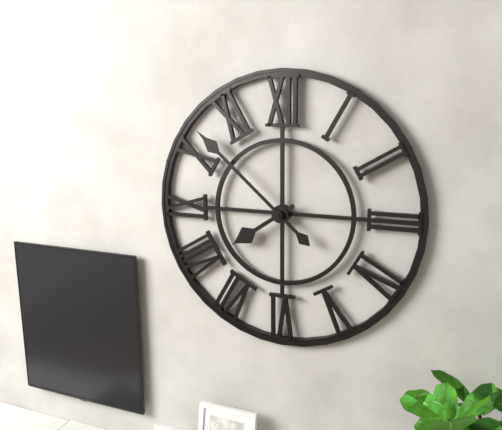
7.52
